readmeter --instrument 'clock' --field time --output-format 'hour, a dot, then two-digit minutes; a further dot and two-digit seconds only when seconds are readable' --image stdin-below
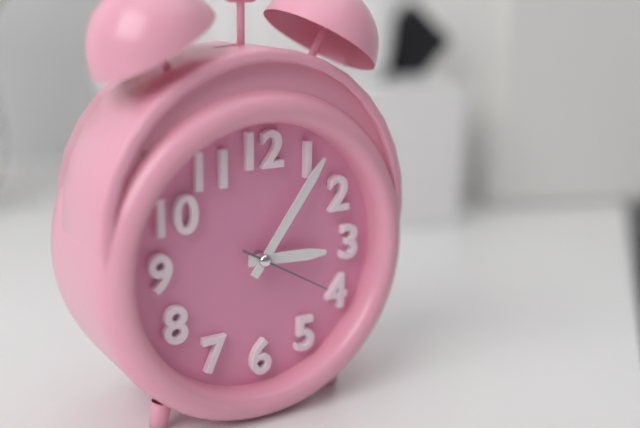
3.06.20
